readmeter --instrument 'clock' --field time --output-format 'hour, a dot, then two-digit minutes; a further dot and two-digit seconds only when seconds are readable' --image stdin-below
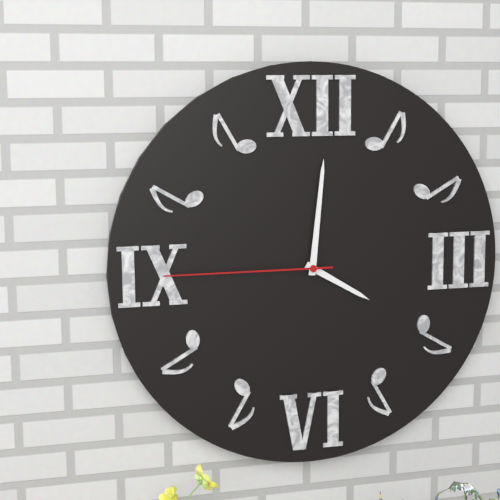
4.01.45
